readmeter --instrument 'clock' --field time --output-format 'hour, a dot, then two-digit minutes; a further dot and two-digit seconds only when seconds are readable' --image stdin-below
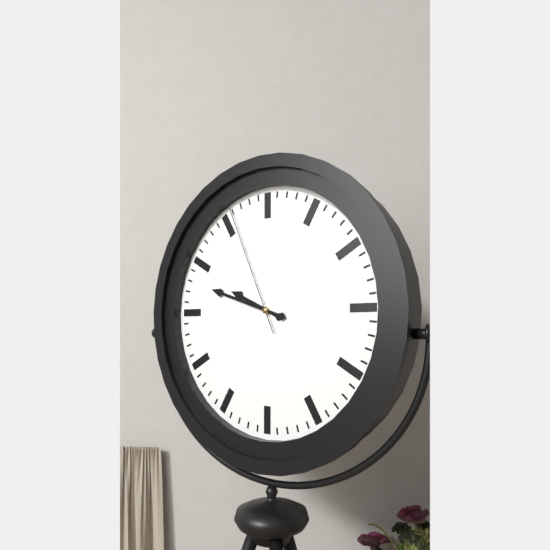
9.48.56
